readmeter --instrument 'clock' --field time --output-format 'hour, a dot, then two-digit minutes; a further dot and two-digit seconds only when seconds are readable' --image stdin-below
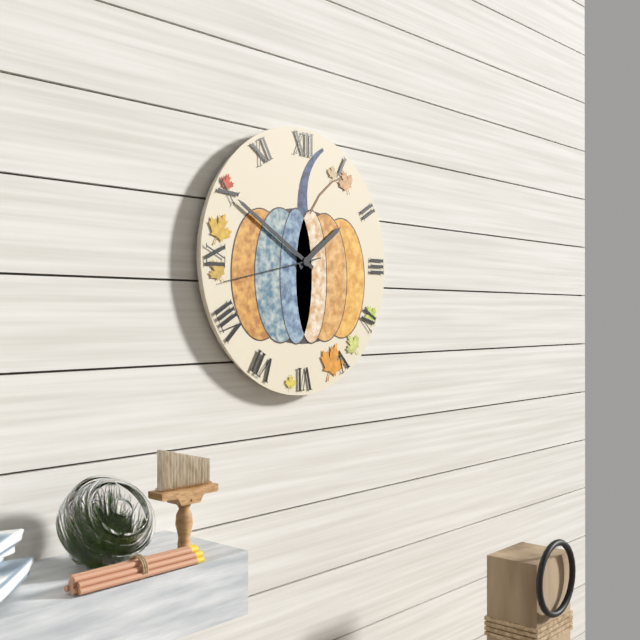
1.50.43
